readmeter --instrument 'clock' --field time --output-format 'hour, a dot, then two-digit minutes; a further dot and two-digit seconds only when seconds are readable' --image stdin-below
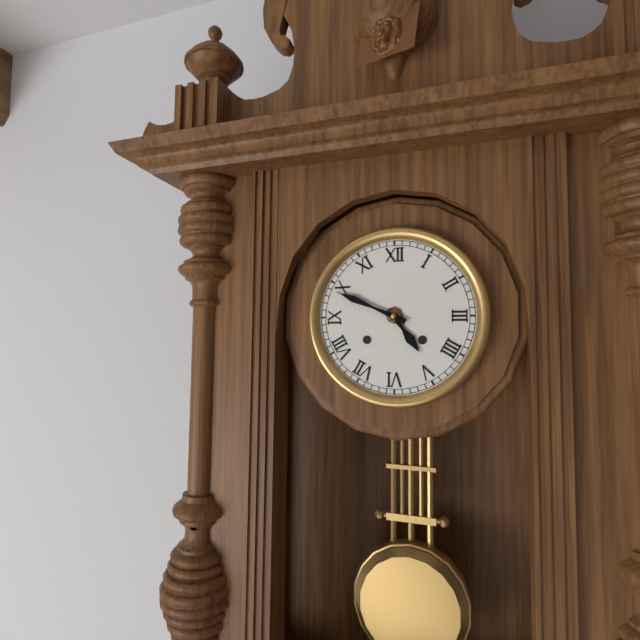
4.49
